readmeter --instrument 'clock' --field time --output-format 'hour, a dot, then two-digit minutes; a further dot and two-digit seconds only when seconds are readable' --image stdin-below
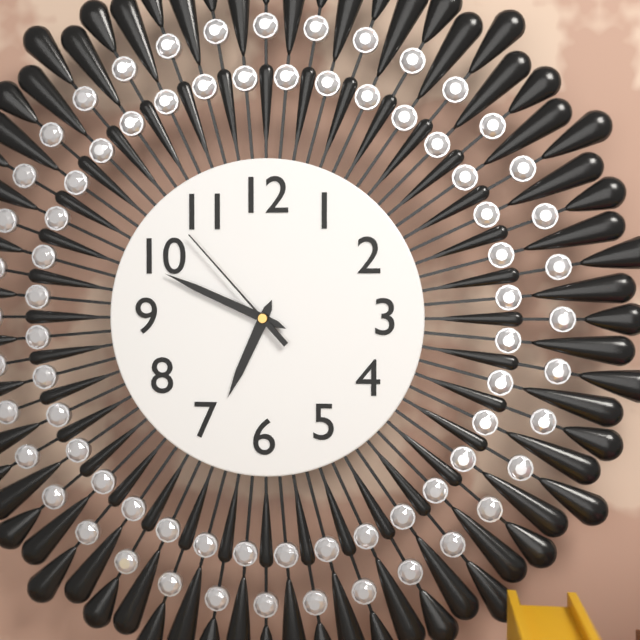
6.49.53
